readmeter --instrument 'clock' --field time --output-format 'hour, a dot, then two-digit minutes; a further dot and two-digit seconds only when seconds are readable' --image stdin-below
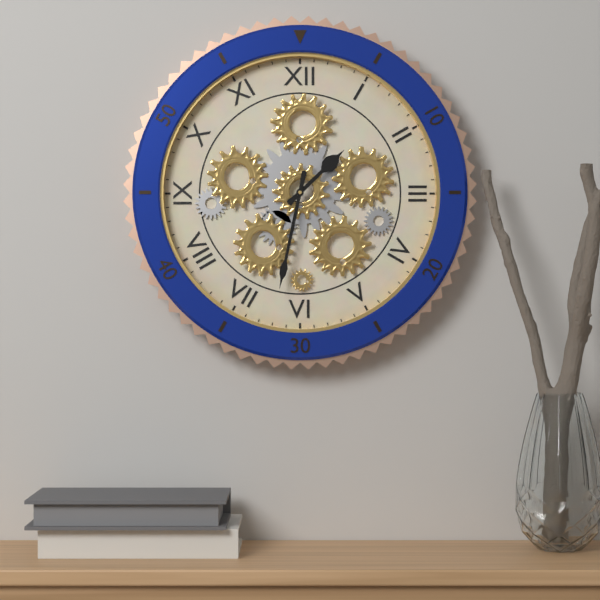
1.32
